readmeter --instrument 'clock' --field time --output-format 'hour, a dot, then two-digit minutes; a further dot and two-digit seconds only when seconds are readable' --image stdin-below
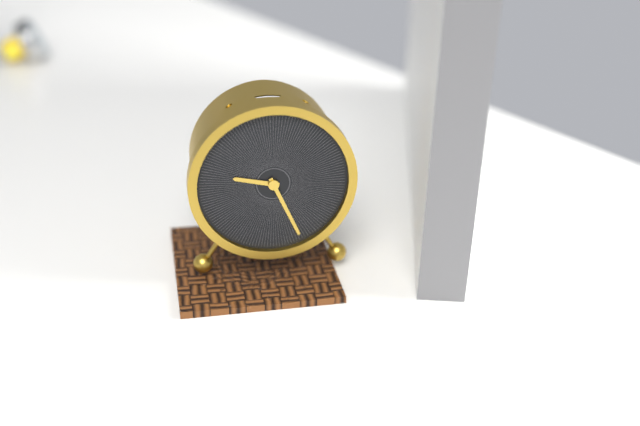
9.26
